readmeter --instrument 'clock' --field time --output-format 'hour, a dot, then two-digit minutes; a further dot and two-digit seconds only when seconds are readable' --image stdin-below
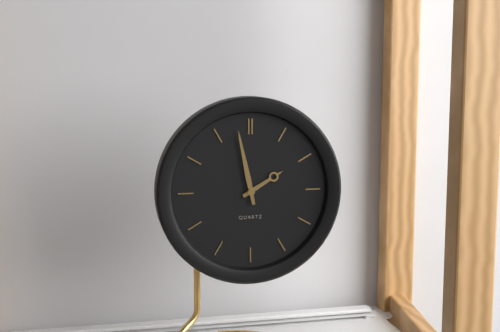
1.58
